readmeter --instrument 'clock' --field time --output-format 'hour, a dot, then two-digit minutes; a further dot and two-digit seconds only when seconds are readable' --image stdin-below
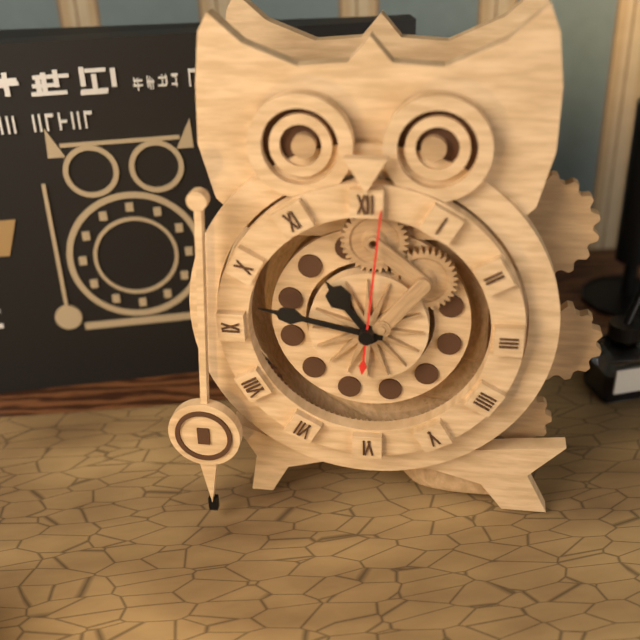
10.47.01
